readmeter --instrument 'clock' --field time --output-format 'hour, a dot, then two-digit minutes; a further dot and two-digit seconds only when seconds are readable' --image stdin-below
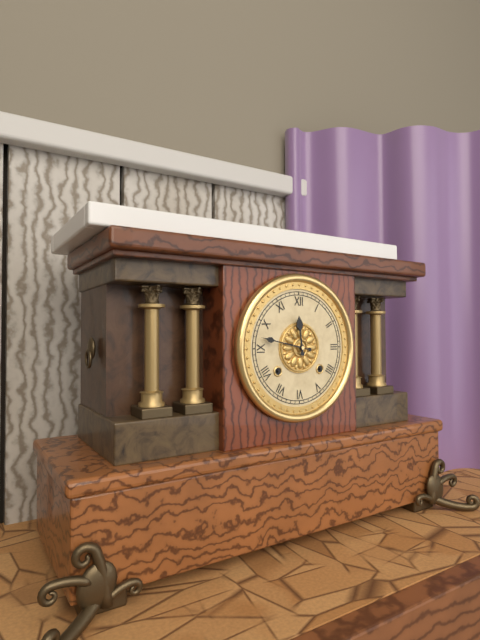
11.47
